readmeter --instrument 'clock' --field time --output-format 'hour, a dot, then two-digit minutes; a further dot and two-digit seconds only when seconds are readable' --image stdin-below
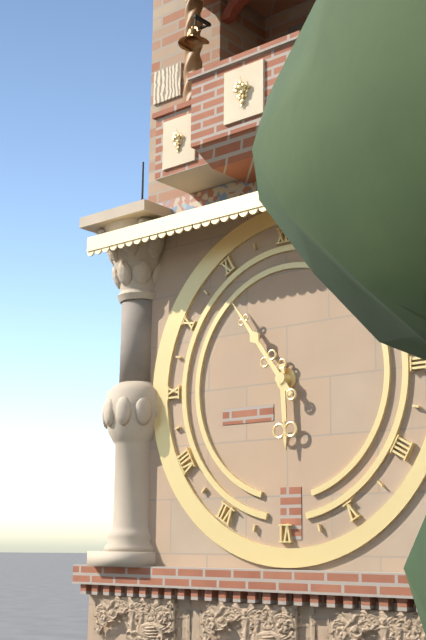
5.54
